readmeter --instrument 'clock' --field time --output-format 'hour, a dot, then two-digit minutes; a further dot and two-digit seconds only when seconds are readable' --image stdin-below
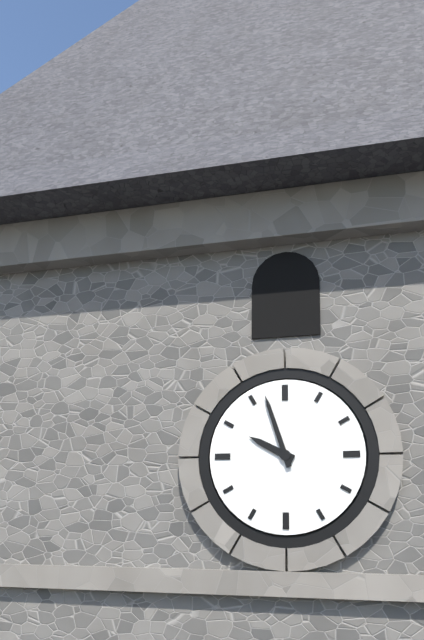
9.57
